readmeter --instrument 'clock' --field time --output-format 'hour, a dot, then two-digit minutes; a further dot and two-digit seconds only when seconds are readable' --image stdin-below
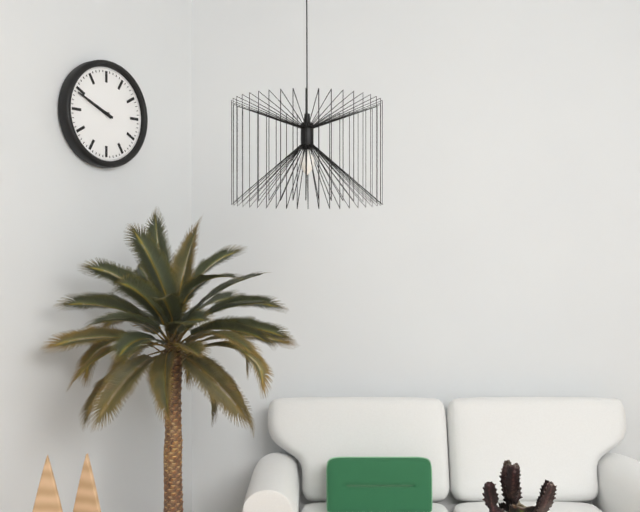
9.49
